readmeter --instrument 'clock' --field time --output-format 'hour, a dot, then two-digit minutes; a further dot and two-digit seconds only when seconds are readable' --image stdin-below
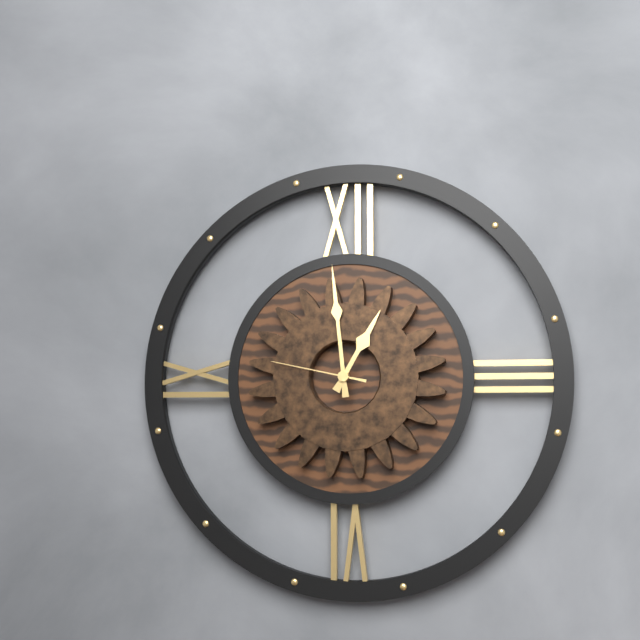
12.59.47
